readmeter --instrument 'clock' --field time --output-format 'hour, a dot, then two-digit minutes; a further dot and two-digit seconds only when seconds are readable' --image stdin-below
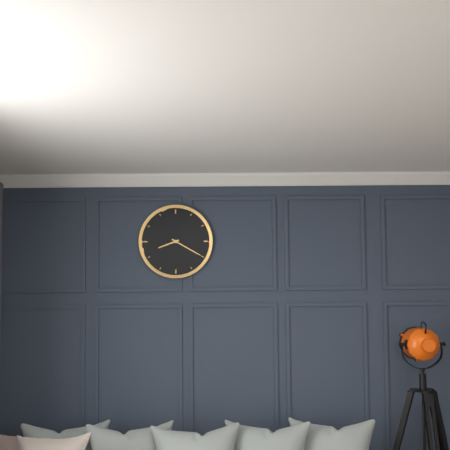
8.20
